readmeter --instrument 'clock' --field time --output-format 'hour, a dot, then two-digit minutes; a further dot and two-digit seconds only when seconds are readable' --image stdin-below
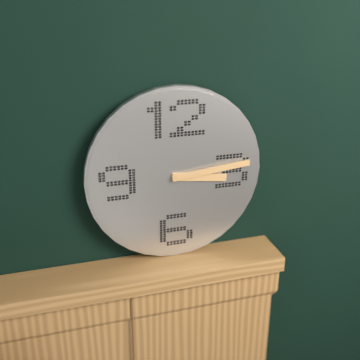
3.14
